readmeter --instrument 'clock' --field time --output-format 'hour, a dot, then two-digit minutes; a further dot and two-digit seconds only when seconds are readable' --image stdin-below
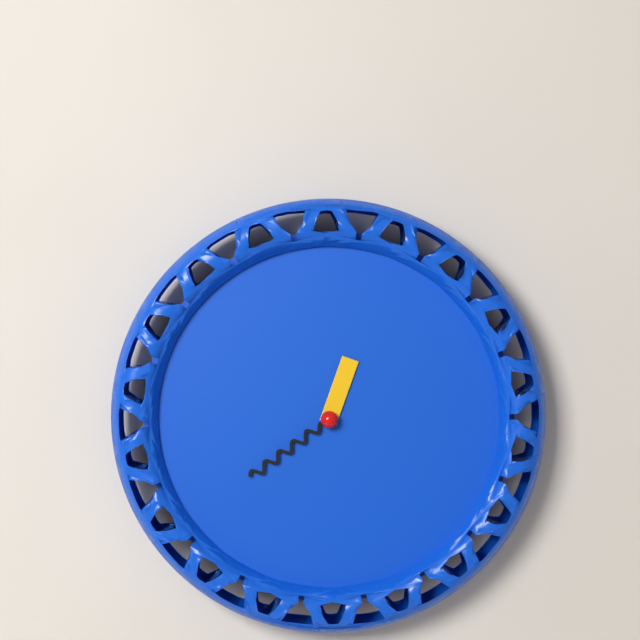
12.39
